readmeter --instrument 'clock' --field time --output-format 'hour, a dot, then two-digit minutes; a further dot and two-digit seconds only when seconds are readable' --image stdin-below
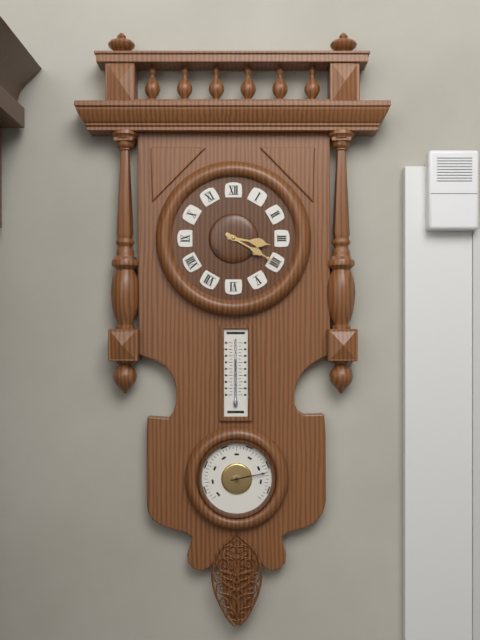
3.20
